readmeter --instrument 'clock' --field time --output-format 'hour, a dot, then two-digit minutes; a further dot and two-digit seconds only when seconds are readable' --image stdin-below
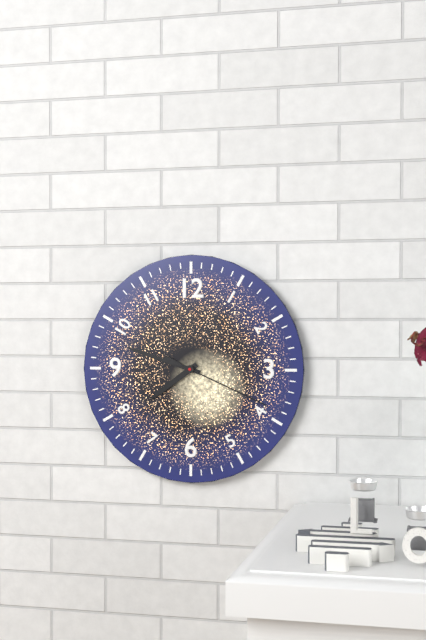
7.48.19
